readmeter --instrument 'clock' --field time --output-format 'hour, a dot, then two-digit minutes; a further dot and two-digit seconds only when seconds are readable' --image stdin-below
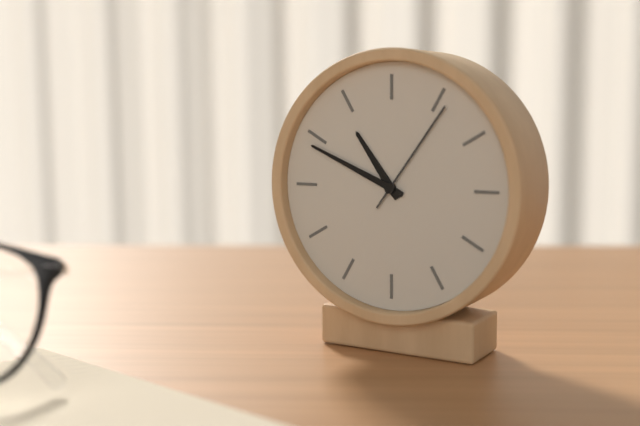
10.49.06
